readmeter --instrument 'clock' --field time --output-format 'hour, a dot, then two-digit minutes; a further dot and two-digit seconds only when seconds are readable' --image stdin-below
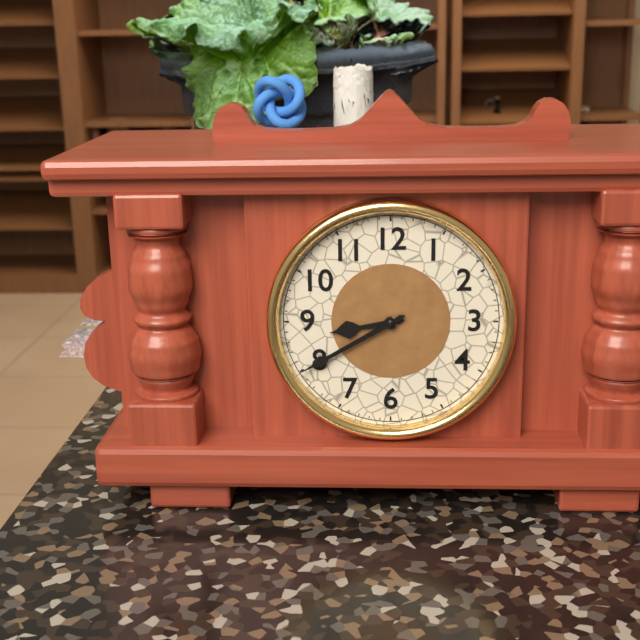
8.40
